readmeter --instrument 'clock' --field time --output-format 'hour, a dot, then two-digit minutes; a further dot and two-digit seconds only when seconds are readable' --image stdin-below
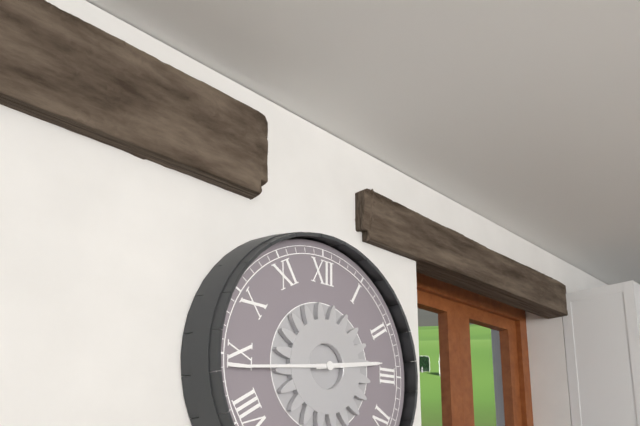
2.44
